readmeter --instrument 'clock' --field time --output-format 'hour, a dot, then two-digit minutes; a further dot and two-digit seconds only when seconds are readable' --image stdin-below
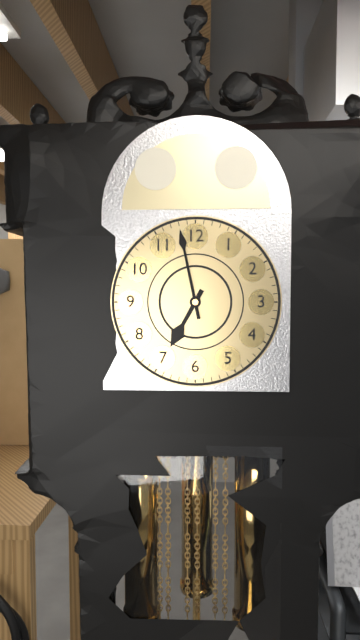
6.58
